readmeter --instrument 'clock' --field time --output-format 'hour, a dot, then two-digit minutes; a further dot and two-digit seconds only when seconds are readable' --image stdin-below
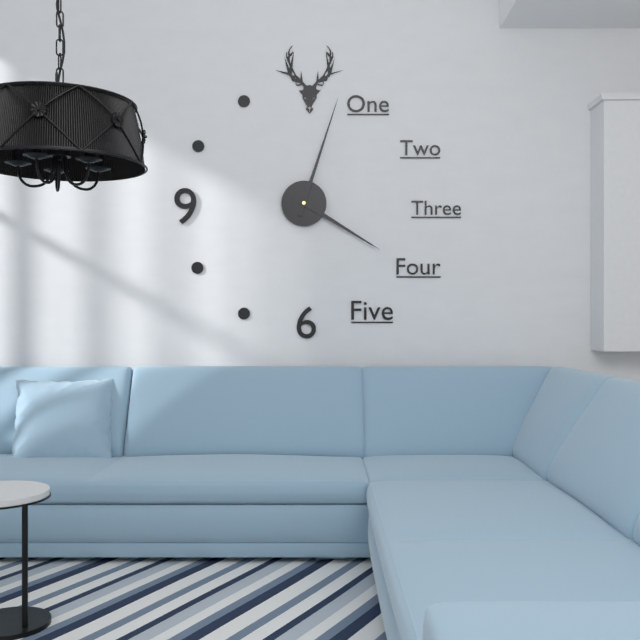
4.03
